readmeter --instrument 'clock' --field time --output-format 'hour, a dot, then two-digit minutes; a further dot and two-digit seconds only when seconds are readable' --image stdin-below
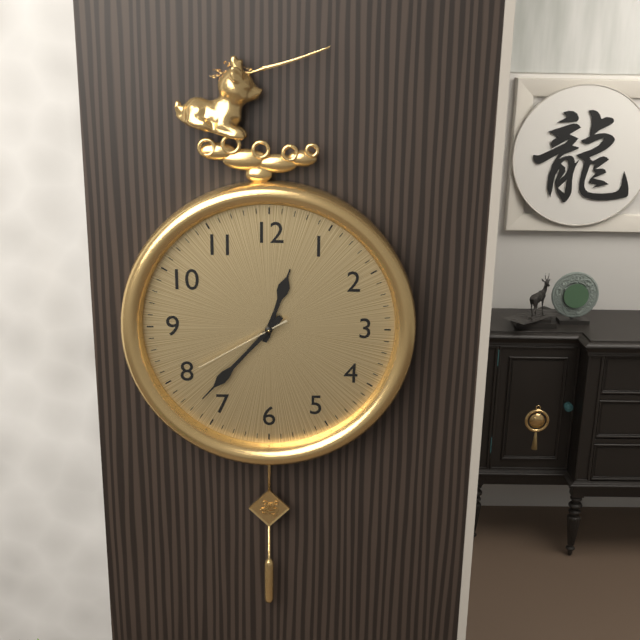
12.37.40
